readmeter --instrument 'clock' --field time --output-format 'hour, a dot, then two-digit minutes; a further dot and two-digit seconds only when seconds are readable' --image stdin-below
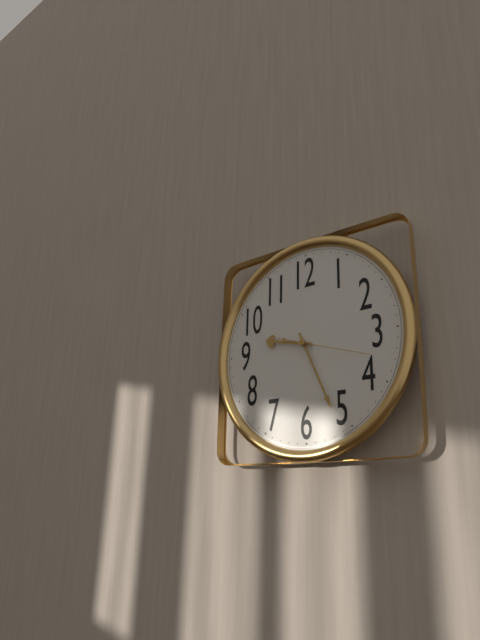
9.26.18
